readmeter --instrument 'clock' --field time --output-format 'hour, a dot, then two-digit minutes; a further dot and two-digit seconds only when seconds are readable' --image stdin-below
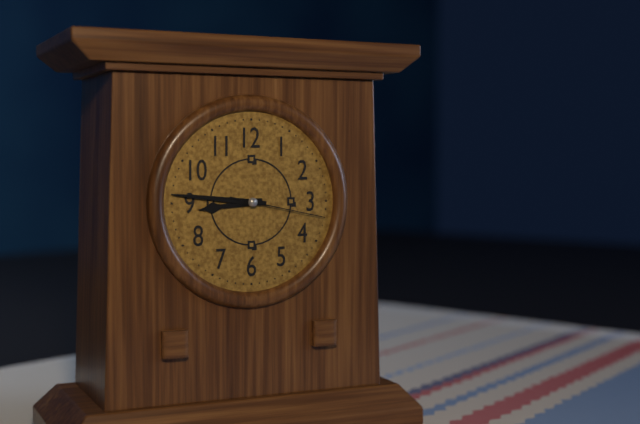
8.46.17
